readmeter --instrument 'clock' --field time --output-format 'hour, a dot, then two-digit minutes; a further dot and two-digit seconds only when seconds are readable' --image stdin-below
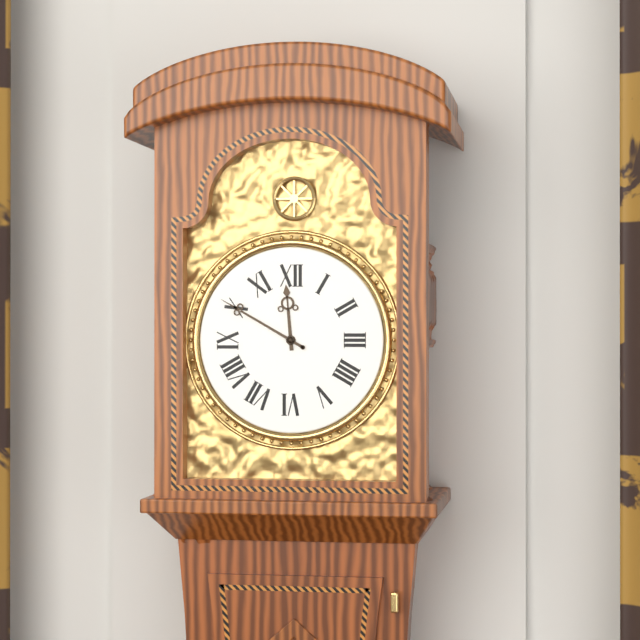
11.50
